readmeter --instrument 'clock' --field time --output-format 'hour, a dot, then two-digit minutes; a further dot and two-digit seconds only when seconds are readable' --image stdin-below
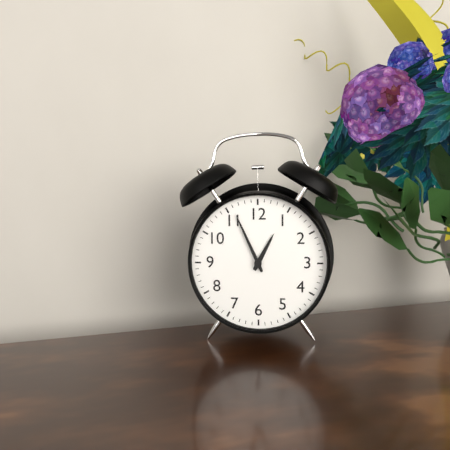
12.56
